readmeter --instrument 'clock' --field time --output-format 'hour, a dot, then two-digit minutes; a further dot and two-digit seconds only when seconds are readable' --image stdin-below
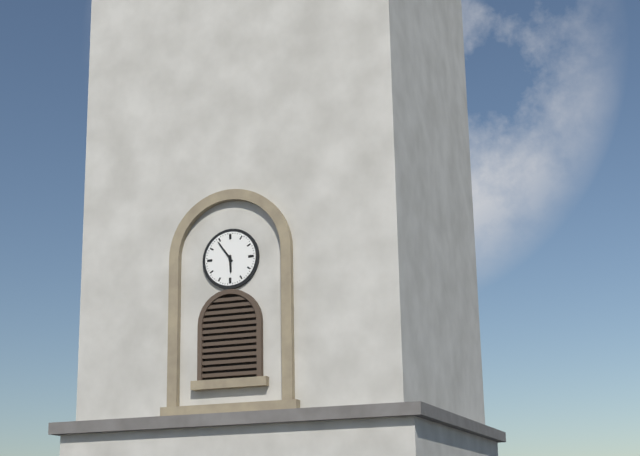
5.54
